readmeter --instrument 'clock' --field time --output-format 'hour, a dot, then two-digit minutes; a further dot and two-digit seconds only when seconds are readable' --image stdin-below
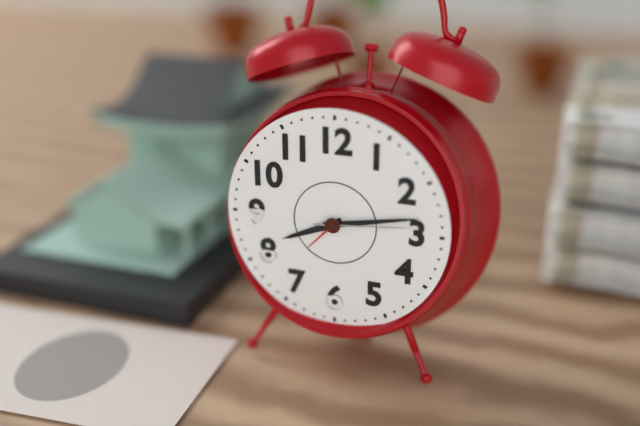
8.13.14
